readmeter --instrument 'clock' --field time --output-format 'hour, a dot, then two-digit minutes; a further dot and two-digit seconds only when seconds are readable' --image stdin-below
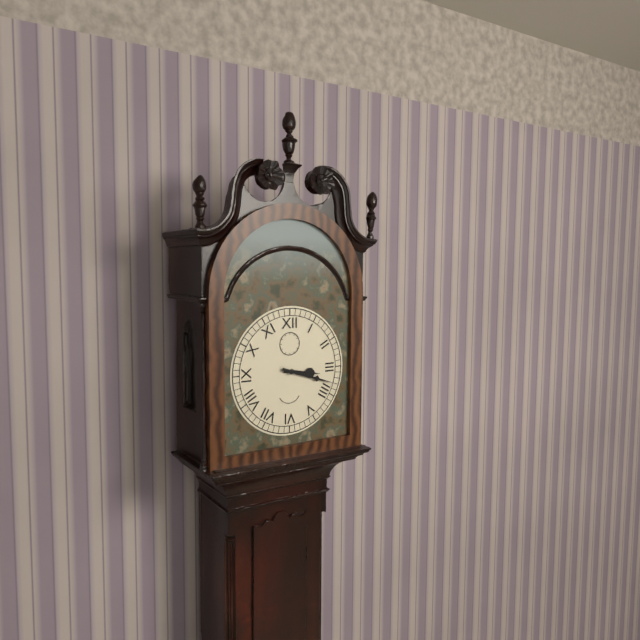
3.18
